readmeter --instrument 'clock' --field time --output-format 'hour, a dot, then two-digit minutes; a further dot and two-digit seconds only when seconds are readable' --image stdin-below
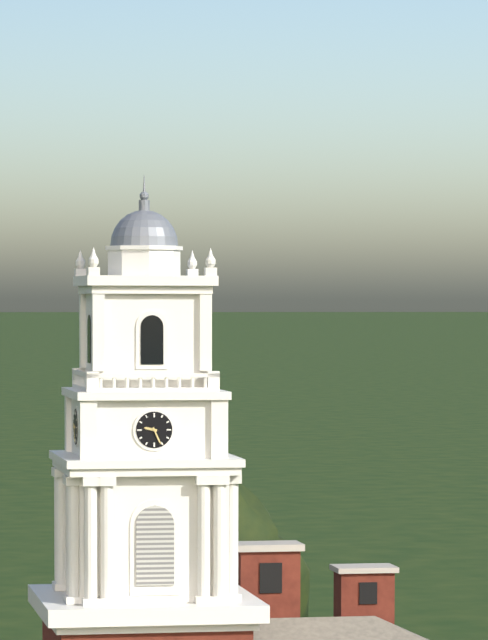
9.26
